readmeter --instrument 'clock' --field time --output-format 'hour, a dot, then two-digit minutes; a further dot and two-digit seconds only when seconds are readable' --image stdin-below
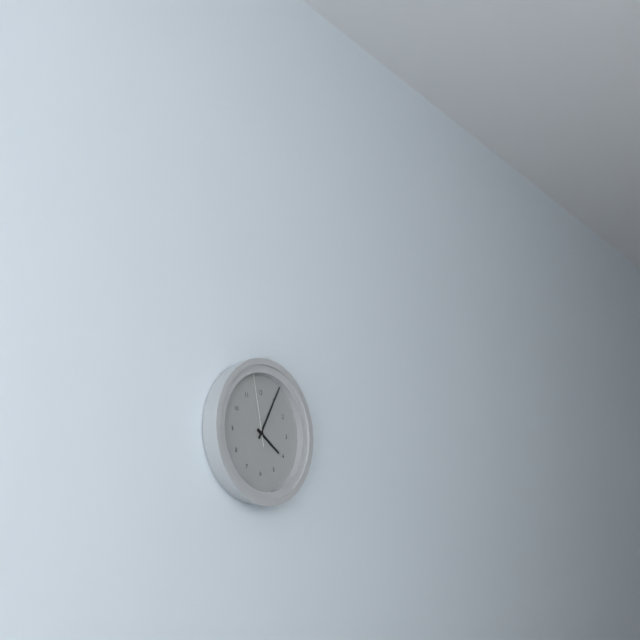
4.05.58
